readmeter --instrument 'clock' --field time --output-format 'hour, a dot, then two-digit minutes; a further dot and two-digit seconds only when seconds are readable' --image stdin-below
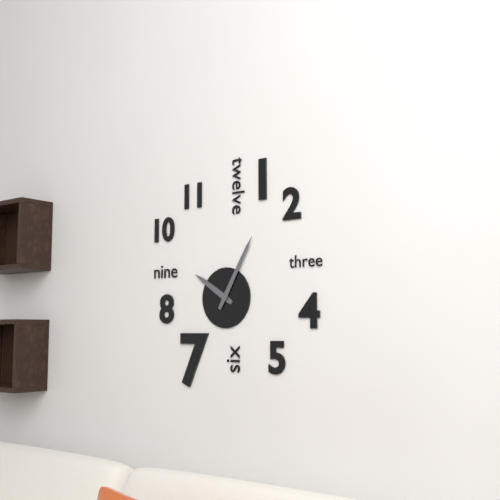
10.05
